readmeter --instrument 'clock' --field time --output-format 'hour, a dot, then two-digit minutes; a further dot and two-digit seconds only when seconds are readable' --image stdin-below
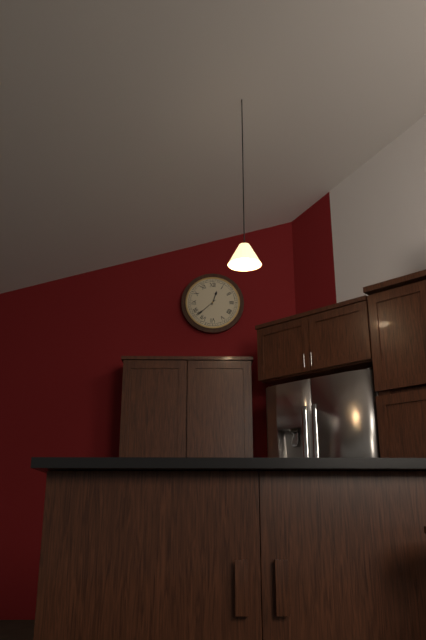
12.38
